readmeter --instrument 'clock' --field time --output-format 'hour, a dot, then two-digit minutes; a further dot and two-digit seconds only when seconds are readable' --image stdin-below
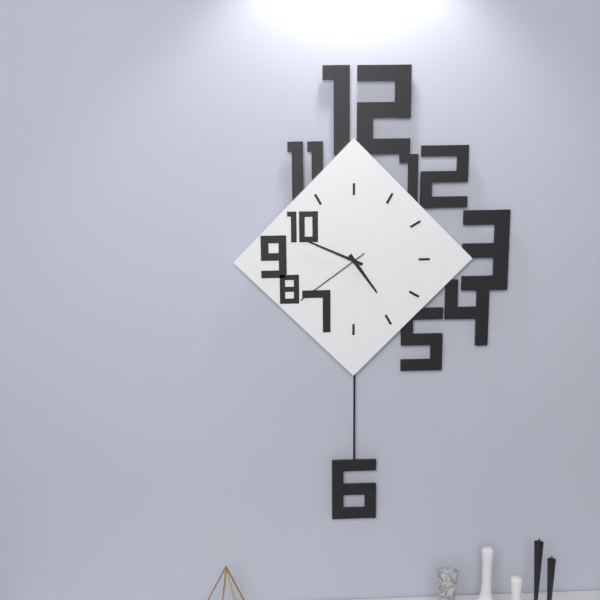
4.49.39
